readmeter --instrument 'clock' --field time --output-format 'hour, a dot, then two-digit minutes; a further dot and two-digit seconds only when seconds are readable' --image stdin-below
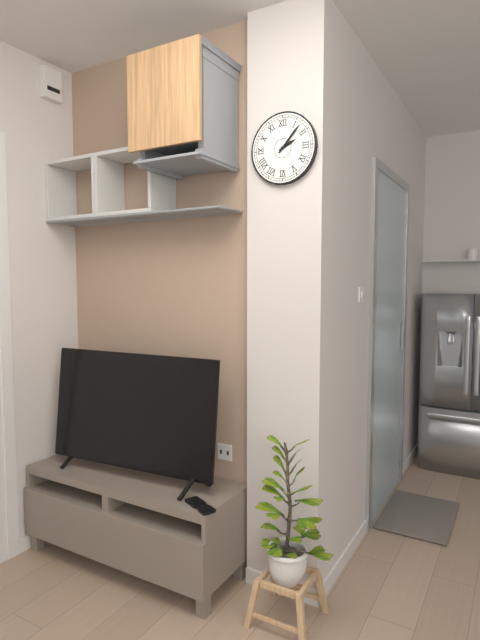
2.07
